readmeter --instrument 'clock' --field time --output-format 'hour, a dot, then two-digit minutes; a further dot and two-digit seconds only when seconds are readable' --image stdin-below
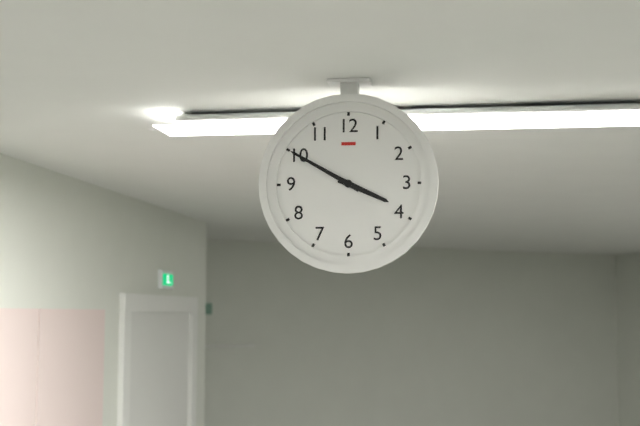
3.50
